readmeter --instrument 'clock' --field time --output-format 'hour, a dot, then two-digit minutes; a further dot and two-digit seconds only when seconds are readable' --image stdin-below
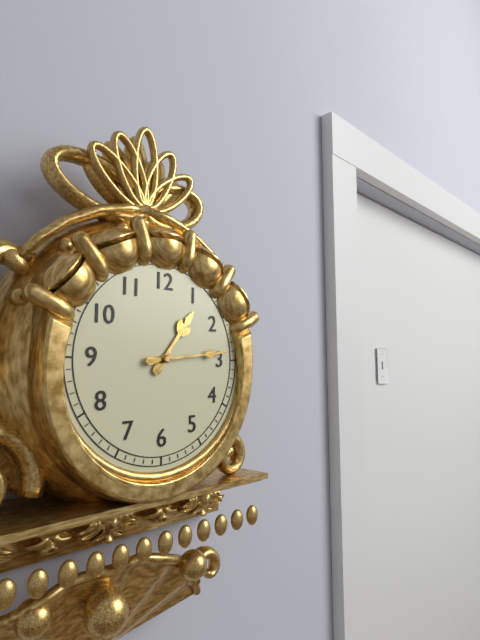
1.14
